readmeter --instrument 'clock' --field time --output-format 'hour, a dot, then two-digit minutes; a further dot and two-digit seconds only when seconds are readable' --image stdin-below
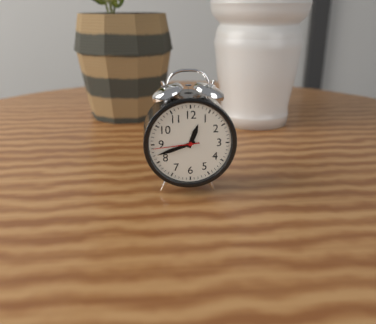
12.42
